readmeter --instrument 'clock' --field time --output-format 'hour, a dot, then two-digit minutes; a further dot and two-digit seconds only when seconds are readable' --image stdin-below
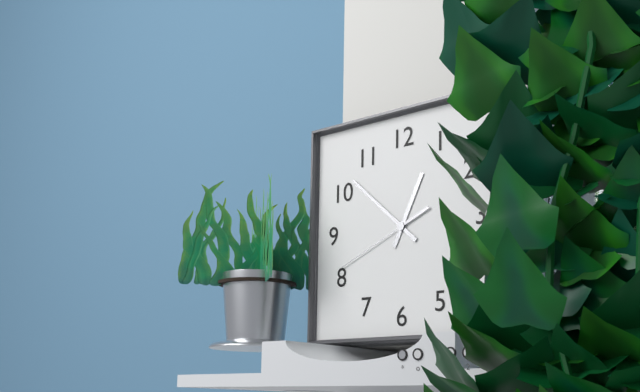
12.52.41
